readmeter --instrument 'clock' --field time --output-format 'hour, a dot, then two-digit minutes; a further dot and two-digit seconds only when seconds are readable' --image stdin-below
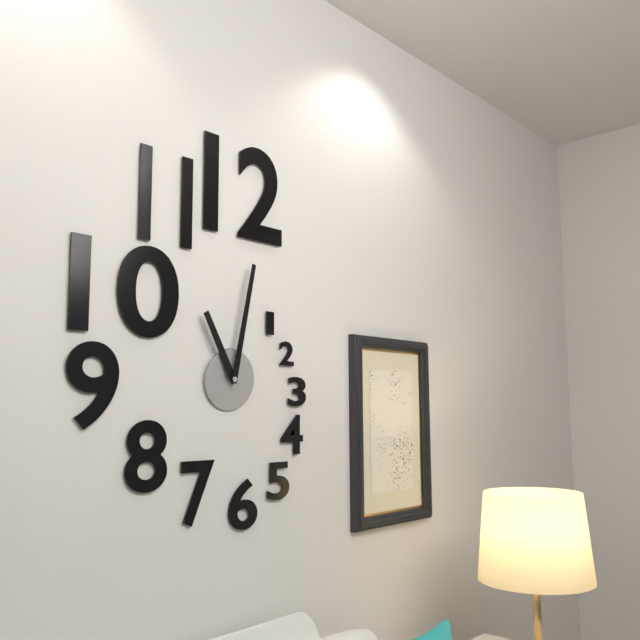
11.02
